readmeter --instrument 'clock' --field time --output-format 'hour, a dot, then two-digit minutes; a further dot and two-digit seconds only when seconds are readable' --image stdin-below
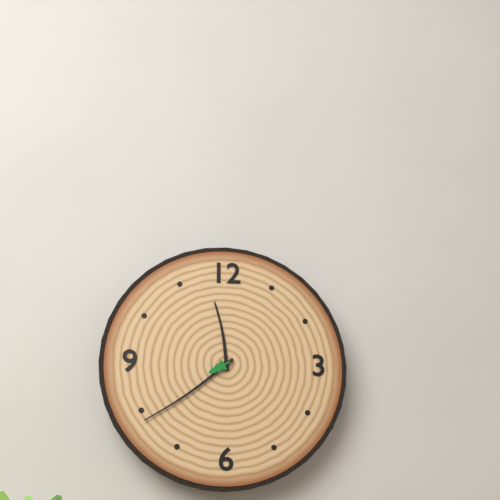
11.39
